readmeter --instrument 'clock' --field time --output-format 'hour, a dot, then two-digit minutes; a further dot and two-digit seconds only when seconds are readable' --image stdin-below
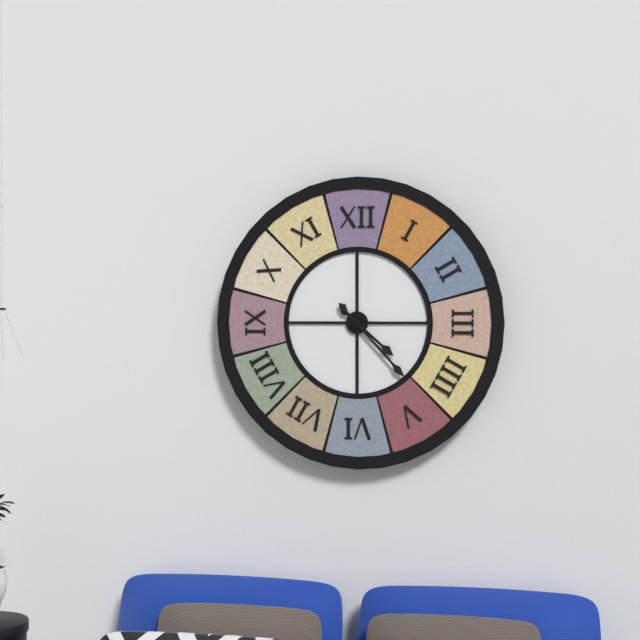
4.23
